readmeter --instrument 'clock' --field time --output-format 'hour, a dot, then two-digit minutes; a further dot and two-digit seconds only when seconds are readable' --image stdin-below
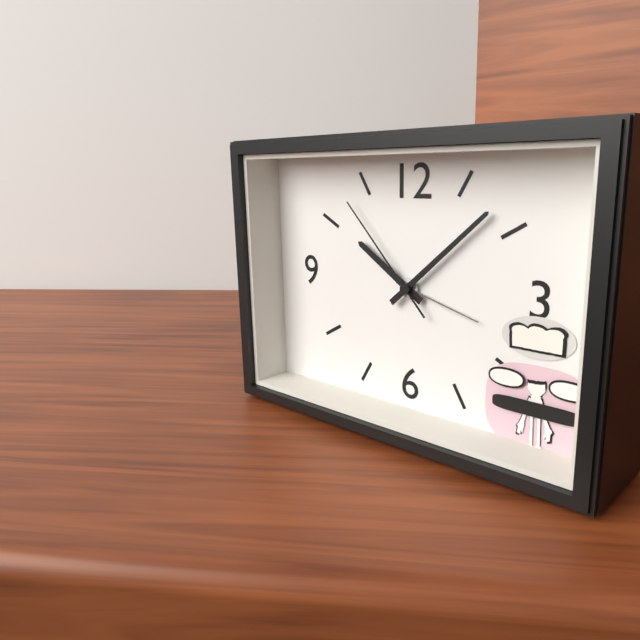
10.08.53
